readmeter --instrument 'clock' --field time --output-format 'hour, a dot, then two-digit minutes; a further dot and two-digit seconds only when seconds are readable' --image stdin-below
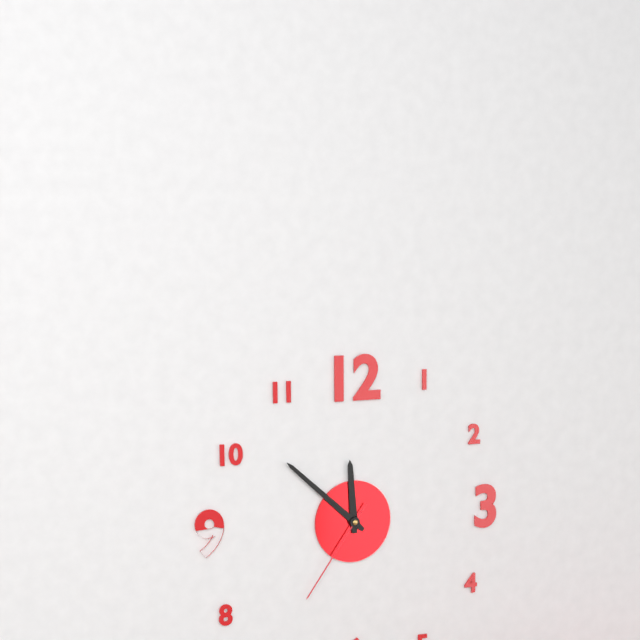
11.52.36
